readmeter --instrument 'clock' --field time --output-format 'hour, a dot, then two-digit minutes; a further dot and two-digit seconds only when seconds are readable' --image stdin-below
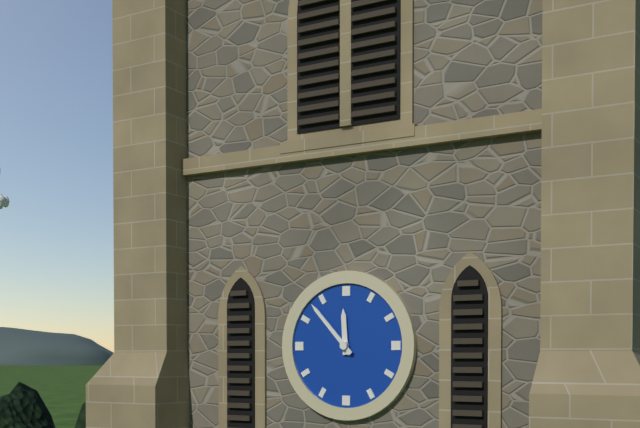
11.53
